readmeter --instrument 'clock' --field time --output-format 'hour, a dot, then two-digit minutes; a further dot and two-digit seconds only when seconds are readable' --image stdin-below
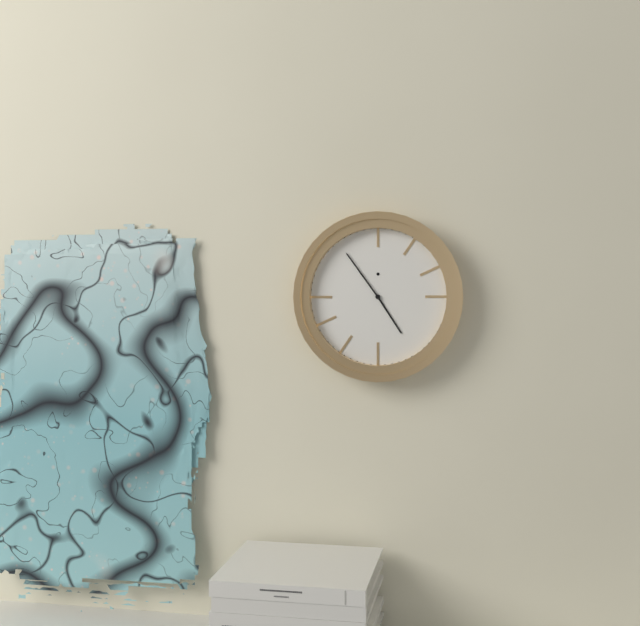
4.54
